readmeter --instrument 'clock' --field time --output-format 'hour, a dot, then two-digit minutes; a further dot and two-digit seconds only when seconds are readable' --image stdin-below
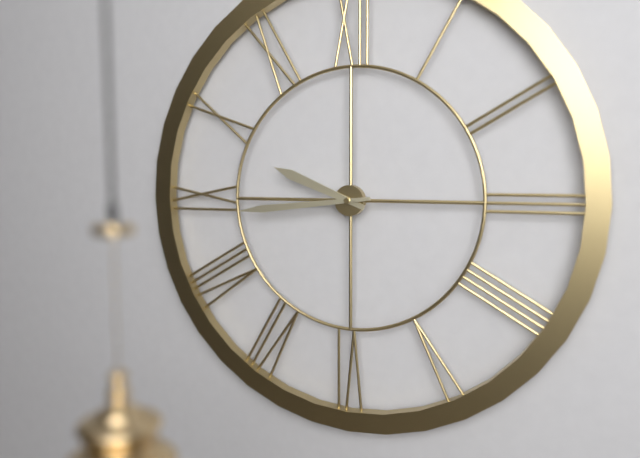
9.44
